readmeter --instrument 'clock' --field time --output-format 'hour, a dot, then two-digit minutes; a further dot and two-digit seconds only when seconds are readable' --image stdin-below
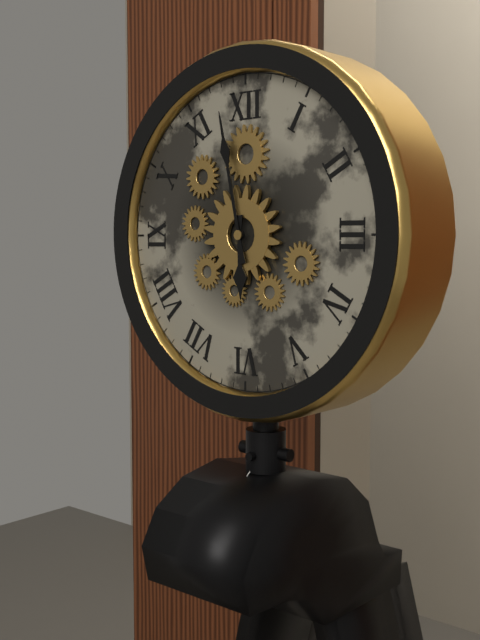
5.58
